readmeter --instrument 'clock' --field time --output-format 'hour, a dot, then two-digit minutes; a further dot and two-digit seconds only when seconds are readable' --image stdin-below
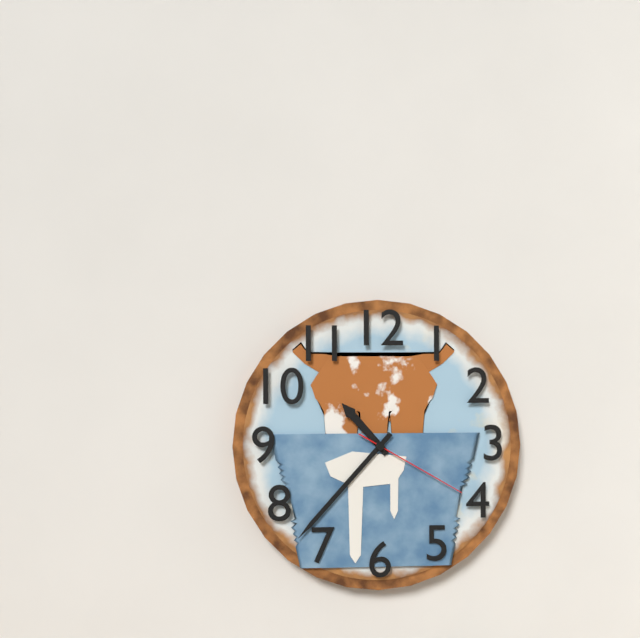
10.37.20
